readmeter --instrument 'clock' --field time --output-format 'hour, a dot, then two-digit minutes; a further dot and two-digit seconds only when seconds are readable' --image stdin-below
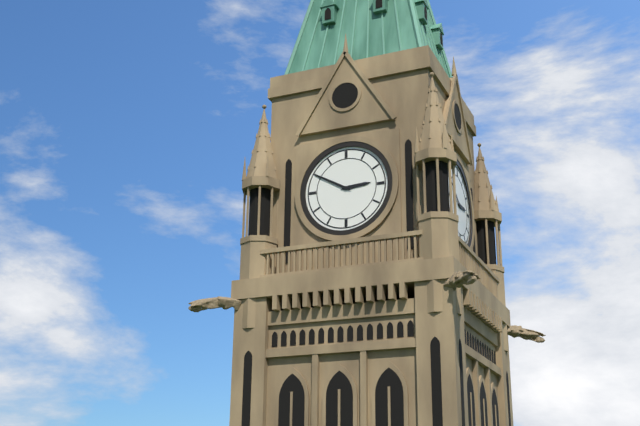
2.50
